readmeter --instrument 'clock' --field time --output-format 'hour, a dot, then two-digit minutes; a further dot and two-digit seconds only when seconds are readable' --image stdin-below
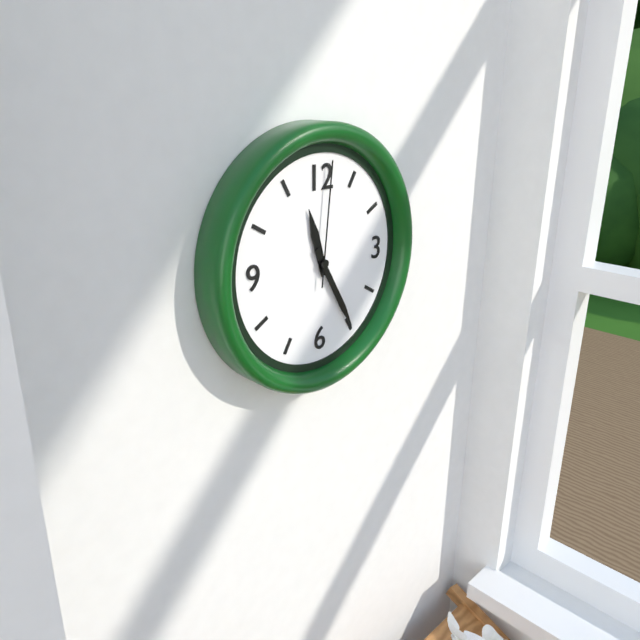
11.25.01
